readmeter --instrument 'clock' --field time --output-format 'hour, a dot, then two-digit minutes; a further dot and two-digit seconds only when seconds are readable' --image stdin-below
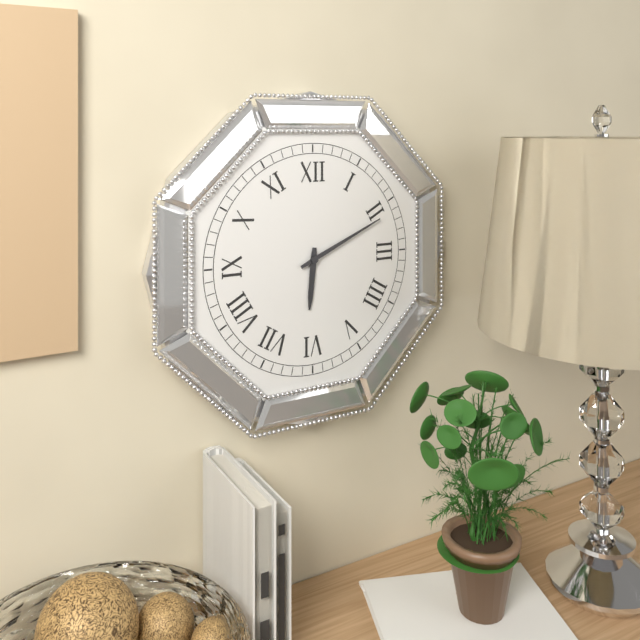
6.11
